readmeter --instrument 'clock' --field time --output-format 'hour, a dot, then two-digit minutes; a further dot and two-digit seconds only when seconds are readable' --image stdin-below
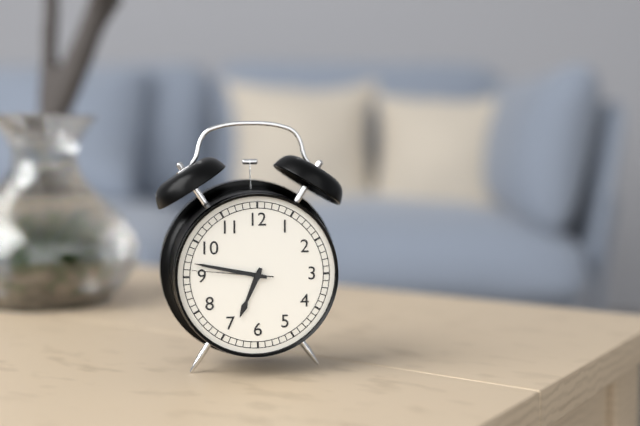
6.47.46
